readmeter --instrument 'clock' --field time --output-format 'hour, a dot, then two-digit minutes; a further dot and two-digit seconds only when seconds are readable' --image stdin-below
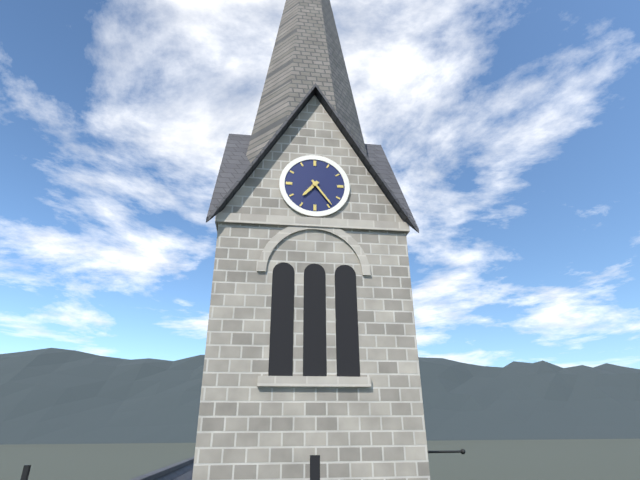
7.24
